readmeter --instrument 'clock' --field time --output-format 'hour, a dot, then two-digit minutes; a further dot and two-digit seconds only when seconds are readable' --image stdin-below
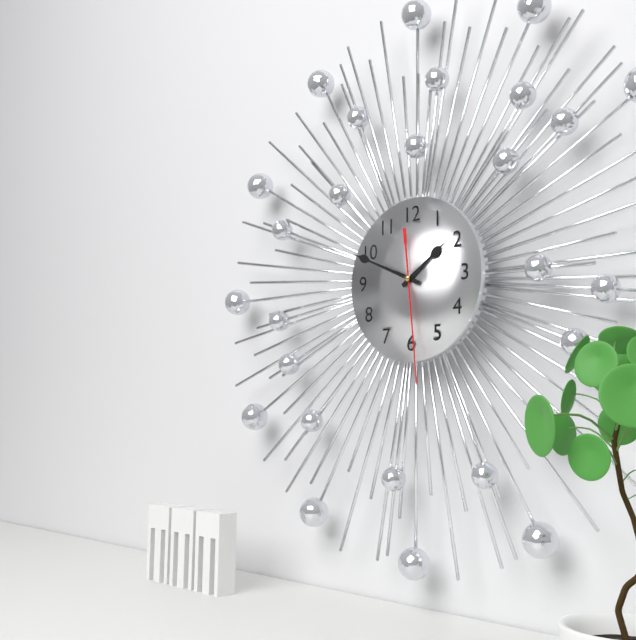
1.49.29
